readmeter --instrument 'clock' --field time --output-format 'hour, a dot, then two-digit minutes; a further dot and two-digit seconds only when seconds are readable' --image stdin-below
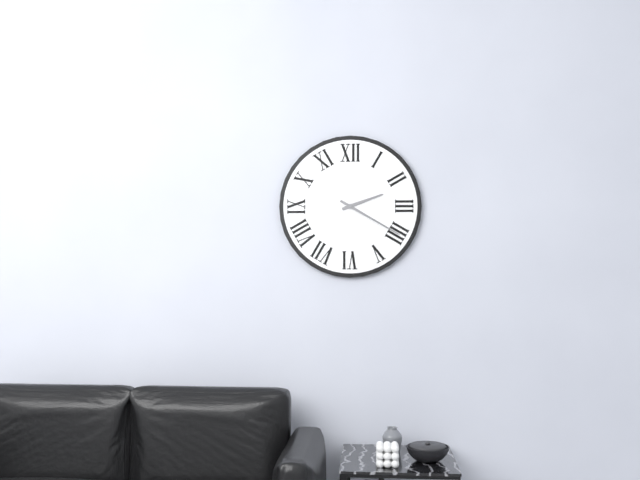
2.20
